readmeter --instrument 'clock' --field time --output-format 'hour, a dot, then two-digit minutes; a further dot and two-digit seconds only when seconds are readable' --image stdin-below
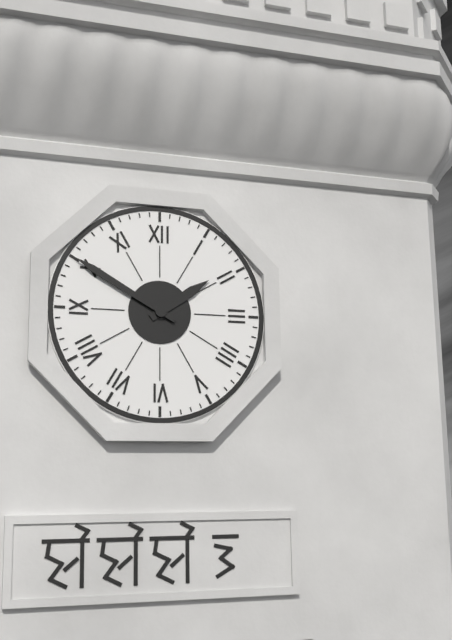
1.50
